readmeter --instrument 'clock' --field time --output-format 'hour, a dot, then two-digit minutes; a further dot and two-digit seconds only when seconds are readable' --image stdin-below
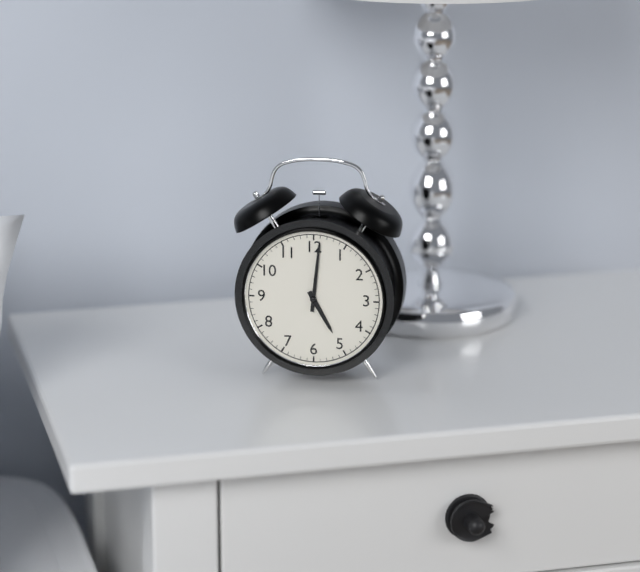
5.01
